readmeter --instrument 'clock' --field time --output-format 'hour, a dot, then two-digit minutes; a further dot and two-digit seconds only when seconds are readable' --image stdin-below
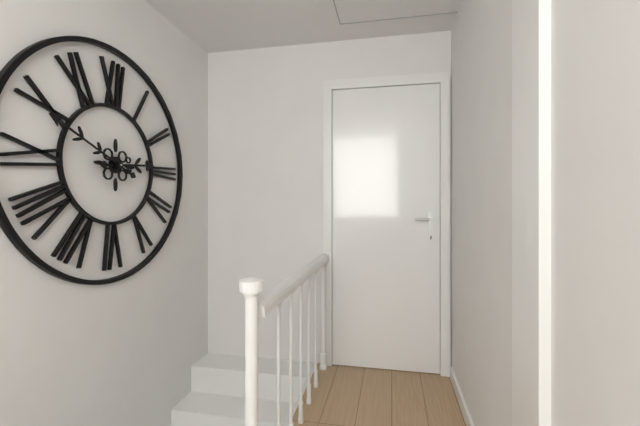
2.49
